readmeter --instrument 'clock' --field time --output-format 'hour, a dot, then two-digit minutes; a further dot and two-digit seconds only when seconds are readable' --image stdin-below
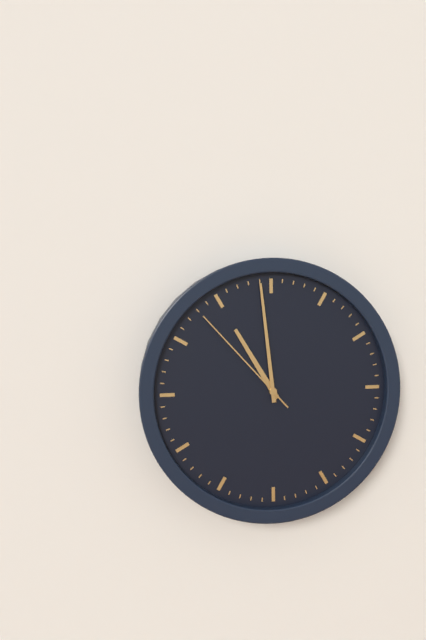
10.59.53
